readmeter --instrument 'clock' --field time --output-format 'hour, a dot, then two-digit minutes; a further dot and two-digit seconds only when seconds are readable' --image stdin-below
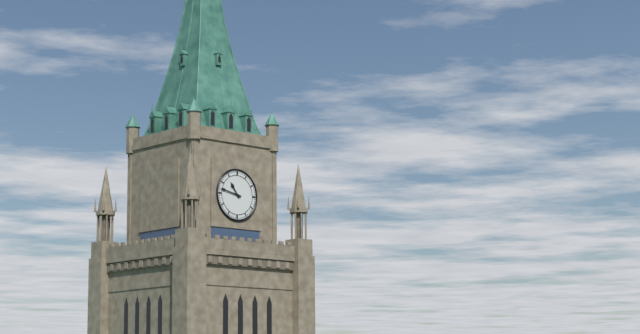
10.47
